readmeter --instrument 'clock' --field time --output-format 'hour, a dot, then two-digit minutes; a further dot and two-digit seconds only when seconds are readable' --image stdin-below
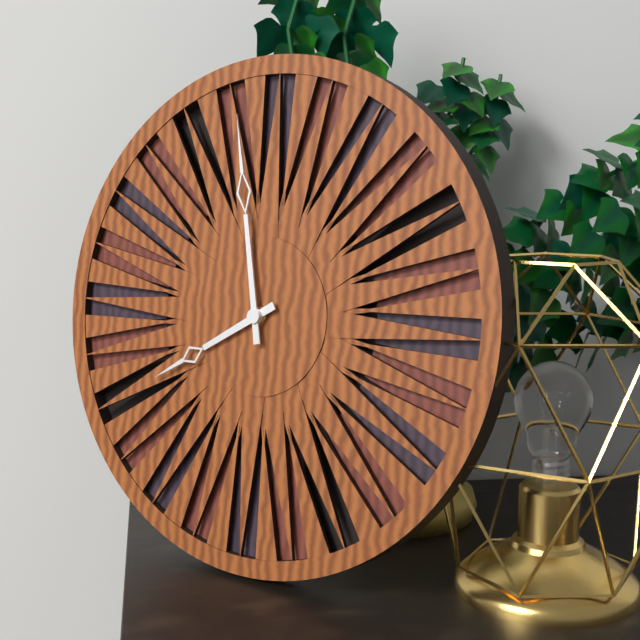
7.58
